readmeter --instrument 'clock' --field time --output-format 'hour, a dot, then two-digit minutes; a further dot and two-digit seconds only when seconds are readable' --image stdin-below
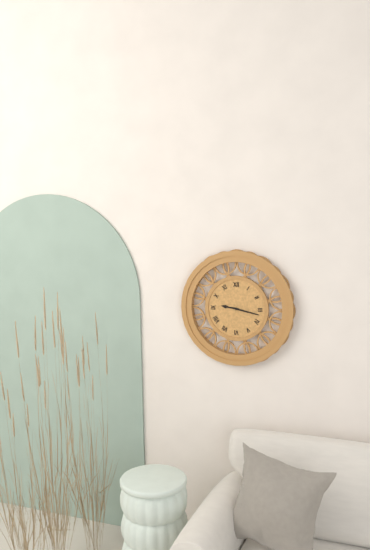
9.17
